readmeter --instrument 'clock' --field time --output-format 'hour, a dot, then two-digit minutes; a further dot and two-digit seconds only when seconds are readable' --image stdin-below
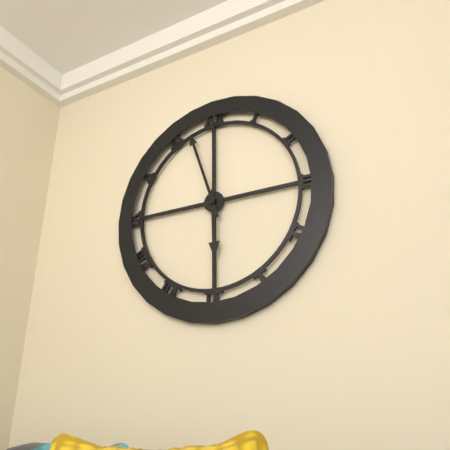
5.57
